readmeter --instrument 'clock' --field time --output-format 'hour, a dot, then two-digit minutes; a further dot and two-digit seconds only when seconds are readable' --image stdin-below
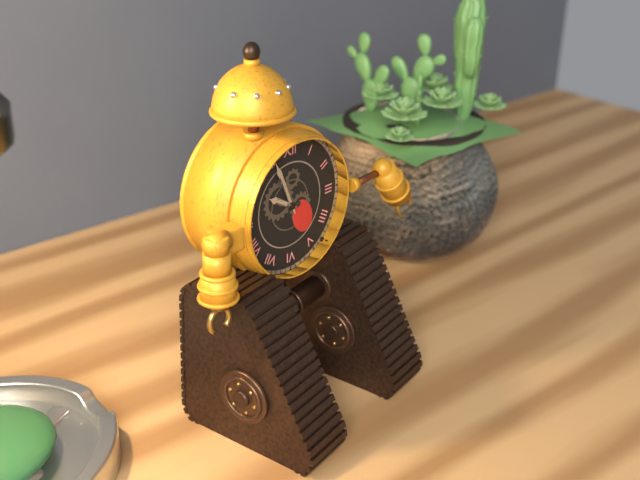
9.56
